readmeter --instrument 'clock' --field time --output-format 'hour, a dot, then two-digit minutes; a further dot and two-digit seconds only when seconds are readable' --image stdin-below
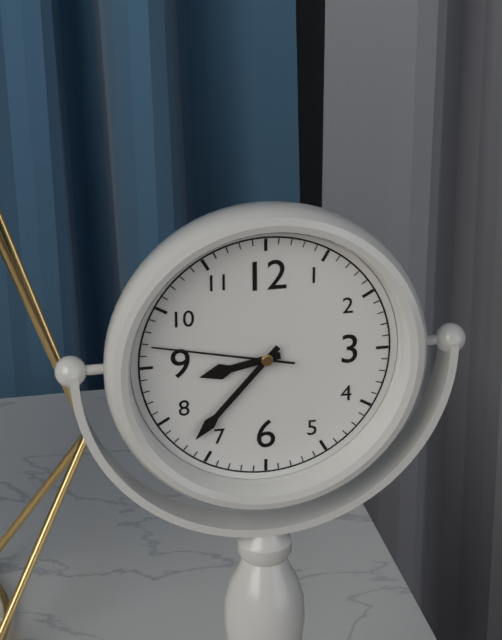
8.37.47
